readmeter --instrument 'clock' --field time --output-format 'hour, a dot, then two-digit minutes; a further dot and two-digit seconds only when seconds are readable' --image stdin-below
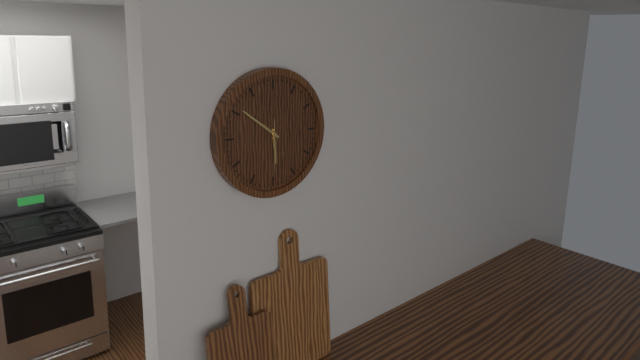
5.51
